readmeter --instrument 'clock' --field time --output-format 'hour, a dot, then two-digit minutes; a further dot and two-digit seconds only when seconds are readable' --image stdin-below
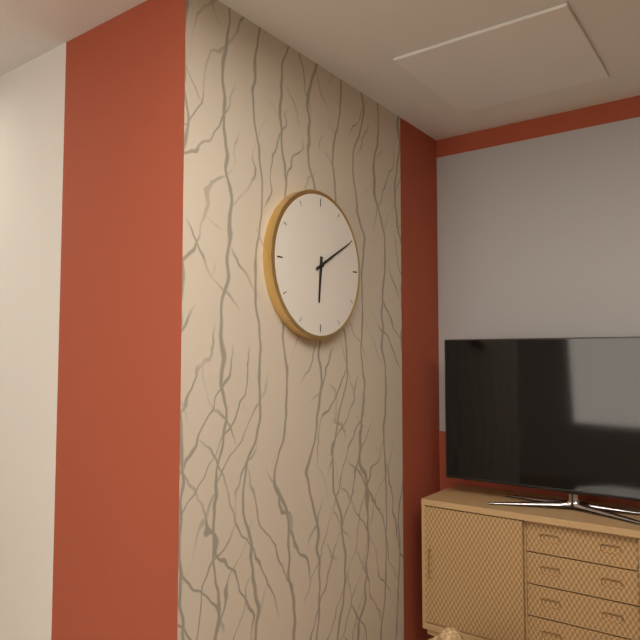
6.10
